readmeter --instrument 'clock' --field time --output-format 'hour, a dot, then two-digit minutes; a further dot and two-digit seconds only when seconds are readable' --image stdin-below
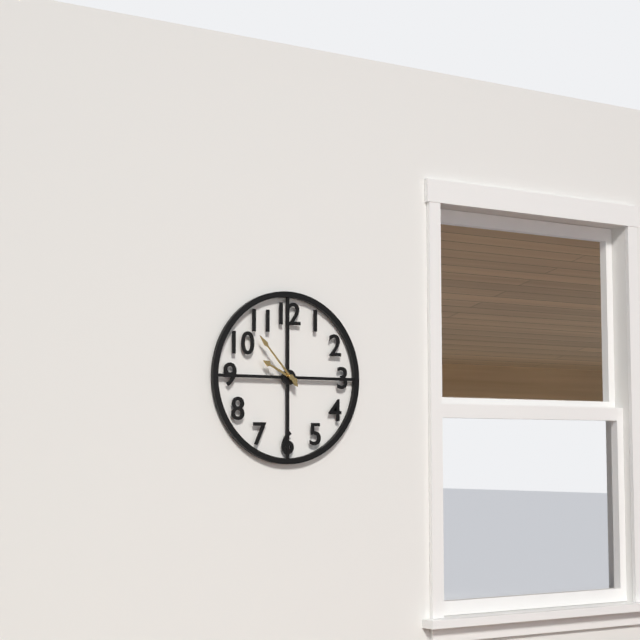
9.53
